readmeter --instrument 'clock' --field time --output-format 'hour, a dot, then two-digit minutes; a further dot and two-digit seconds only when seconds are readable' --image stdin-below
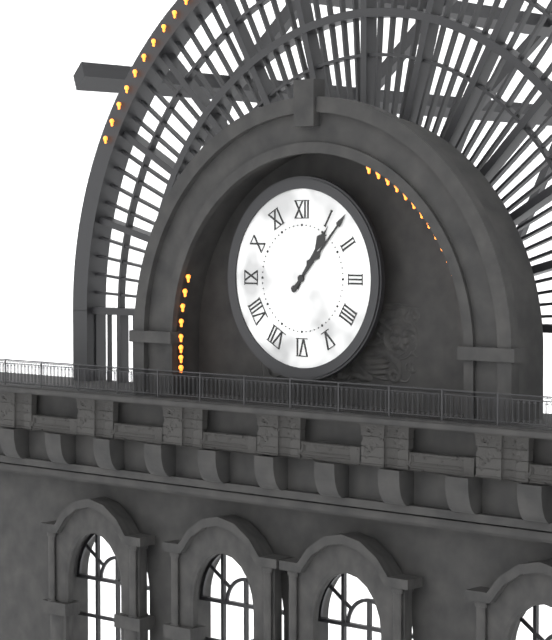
1.07
